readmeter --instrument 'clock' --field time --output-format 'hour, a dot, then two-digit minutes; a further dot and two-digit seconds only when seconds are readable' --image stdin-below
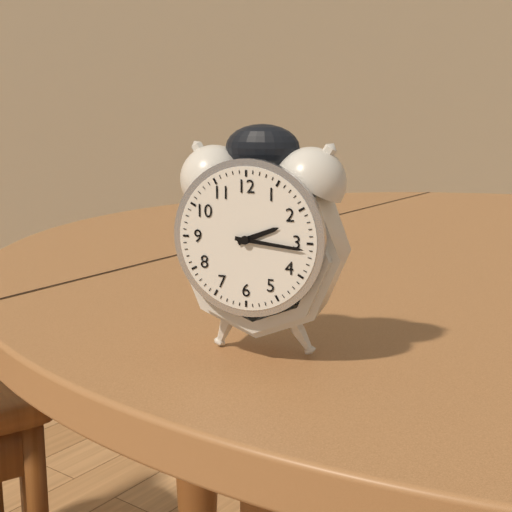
2.16
